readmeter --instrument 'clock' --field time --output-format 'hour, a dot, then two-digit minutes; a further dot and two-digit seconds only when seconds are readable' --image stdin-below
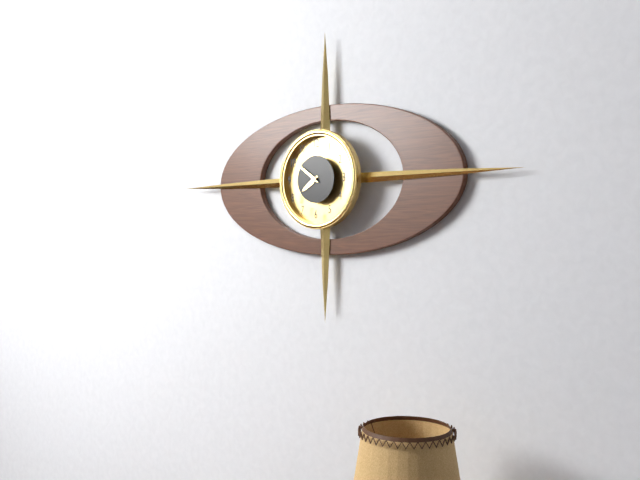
7.51
